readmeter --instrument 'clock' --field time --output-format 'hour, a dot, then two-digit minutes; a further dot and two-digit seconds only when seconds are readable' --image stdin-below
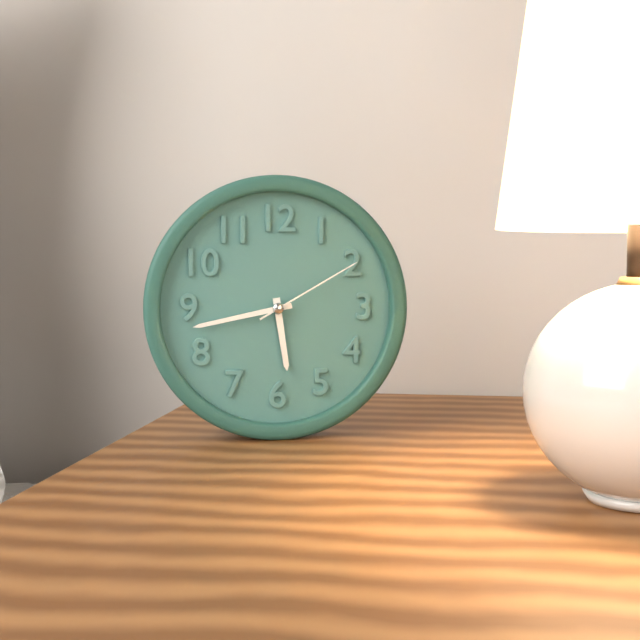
5.43.10
